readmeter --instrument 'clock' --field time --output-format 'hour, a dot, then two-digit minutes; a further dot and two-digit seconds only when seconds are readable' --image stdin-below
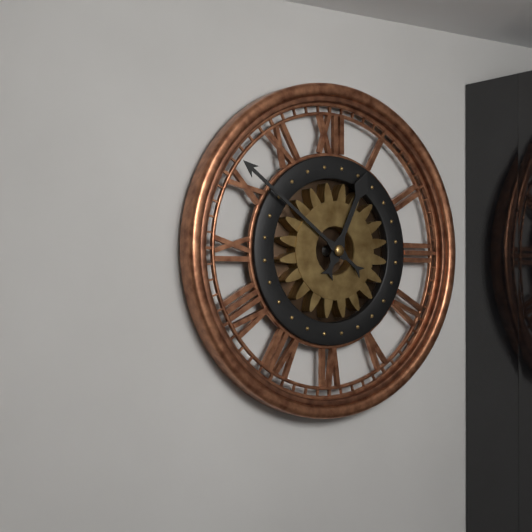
12.51
